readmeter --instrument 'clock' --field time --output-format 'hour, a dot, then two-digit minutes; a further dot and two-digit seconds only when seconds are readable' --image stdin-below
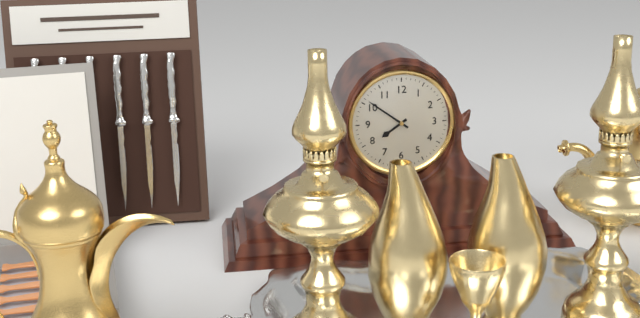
7.51
